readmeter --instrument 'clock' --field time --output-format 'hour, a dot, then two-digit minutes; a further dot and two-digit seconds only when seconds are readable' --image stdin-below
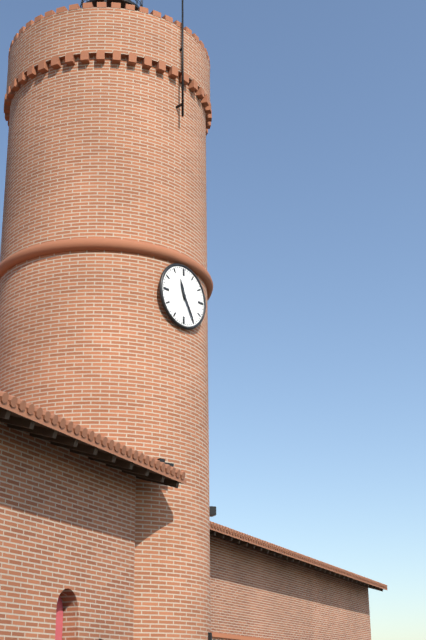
11.25
